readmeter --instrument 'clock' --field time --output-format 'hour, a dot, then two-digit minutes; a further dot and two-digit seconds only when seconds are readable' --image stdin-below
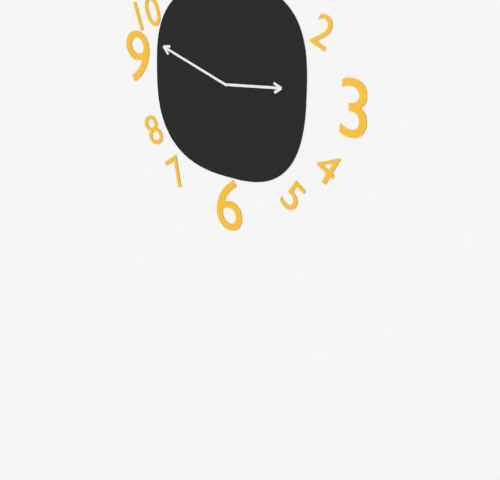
2.48
